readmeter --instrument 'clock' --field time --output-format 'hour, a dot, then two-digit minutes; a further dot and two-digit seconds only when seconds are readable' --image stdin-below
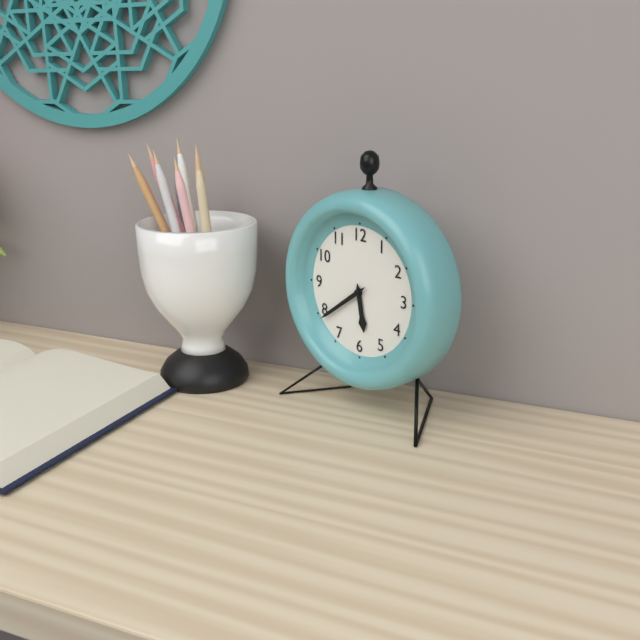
5.39
